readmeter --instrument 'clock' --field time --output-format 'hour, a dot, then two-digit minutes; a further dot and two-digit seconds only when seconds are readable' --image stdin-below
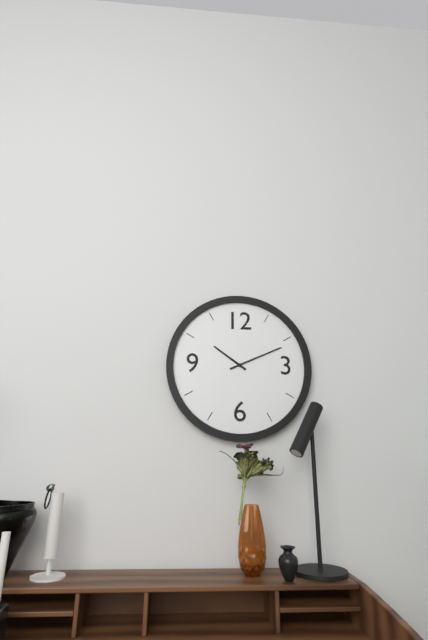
10.11
